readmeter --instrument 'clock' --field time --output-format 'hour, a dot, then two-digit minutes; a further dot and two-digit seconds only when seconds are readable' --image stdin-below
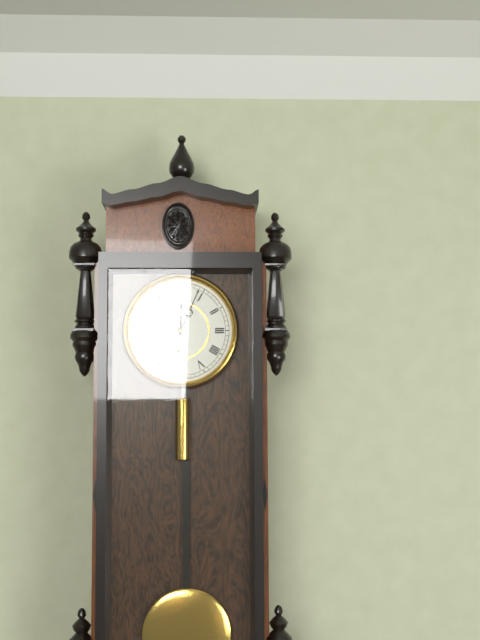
12.04
